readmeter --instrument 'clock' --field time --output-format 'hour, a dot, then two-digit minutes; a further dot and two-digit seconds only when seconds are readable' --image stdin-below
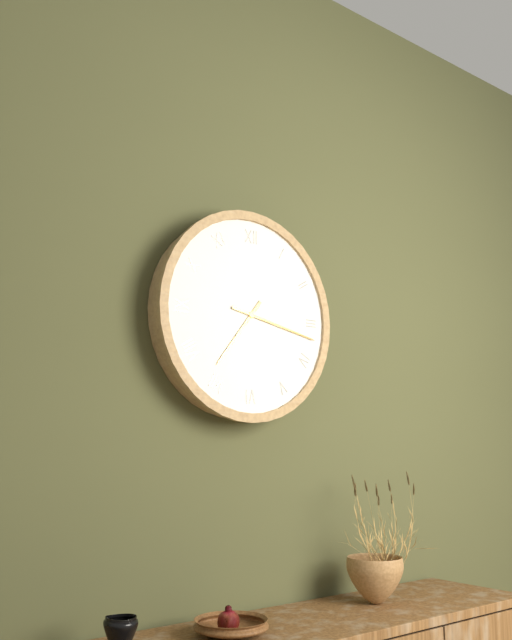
7.17
